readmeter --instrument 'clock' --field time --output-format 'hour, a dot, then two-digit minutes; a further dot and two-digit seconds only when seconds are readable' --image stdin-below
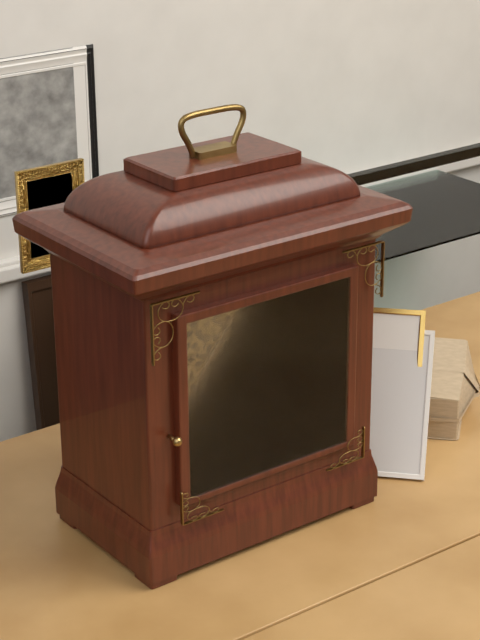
6.33
